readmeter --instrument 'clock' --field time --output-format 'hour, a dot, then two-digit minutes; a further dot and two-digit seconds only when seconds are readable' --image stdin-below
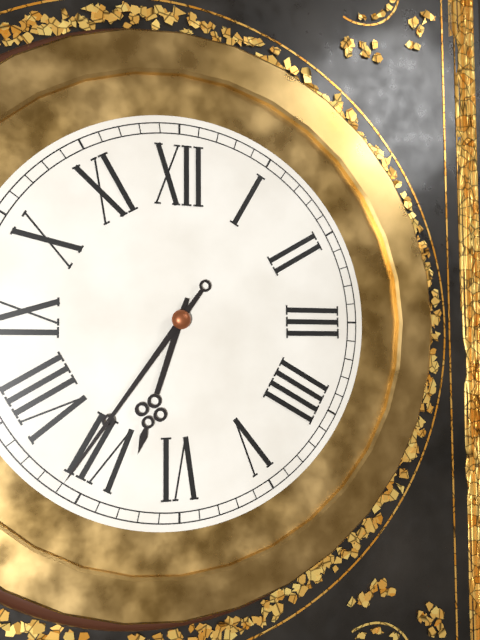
6.36
